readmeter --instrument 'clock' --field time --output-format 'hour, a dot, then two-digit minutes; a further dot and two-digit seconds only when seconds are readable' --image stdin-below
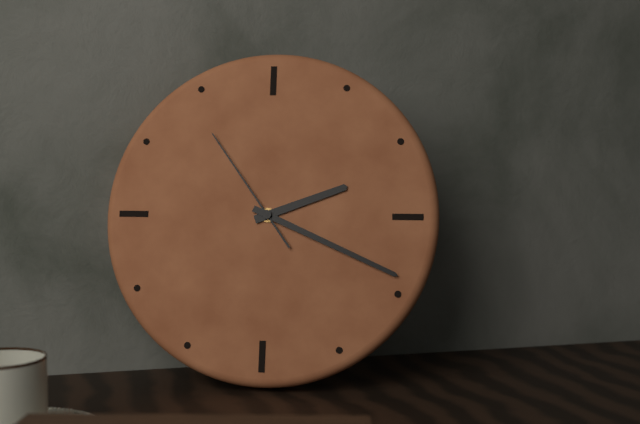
2.19.54
